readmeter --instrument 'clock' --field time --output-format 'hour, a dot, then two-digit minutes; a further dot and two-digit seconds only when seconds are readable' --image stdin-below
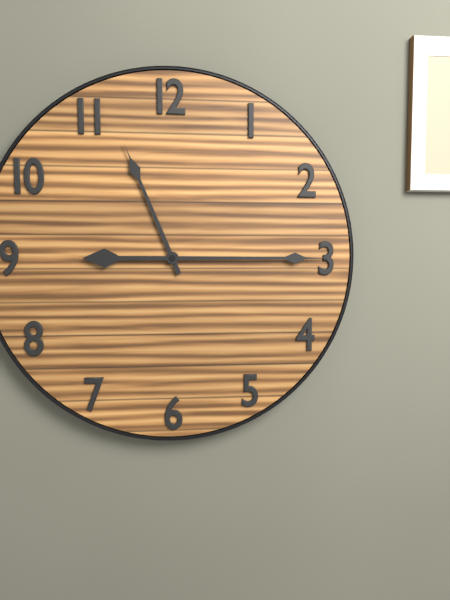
11.15
